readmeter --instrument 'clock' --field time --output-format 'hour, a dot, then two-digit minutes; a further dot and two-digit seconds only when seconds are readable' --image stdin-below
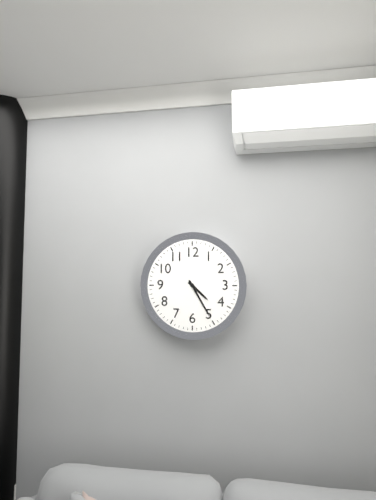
4.25
